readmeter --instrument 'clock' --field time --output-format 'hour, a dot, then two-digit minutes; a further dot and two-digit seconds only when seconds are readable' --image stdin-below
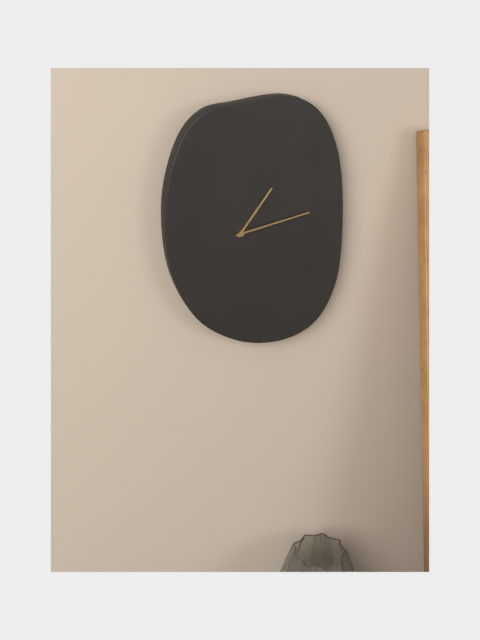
1.13
